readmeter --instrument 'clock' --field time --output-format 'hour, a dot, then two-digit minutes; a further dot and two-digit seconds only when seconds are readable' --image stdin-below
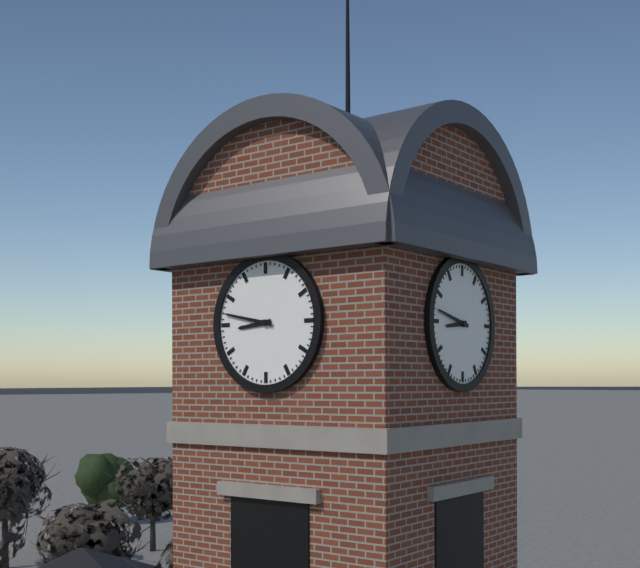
8.47
